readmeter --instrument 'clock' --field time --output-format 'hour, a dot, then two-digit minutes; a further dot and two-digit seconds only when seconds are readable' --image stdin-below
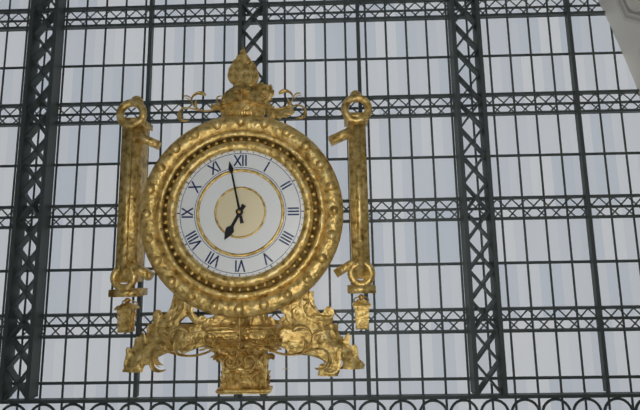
6.58
